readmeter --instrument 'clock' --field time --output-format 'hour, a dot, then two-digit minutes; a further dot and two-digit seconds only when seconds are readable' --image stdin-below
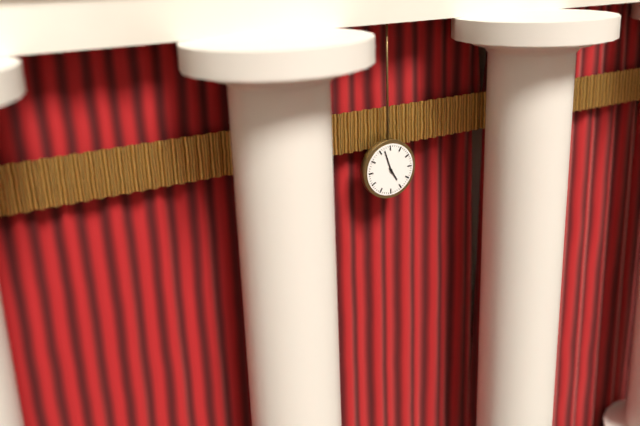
4.57
